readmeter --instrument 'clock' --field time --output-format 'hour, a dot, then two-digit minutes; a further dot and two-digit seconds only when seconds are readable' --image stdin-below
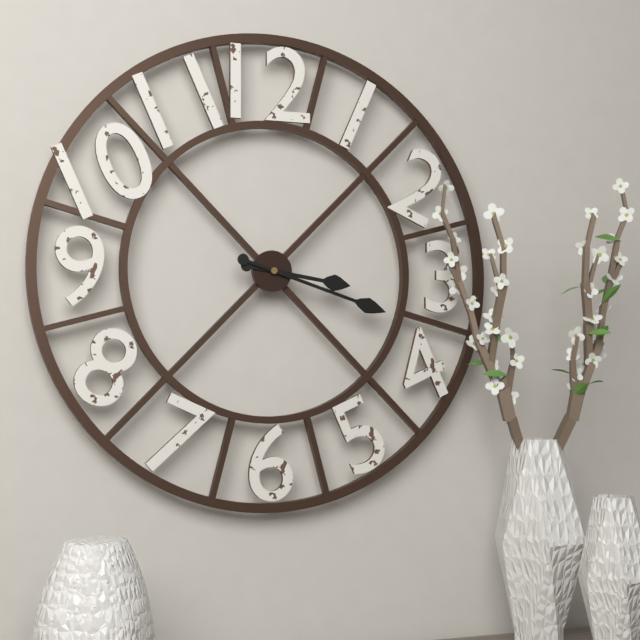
3.18
